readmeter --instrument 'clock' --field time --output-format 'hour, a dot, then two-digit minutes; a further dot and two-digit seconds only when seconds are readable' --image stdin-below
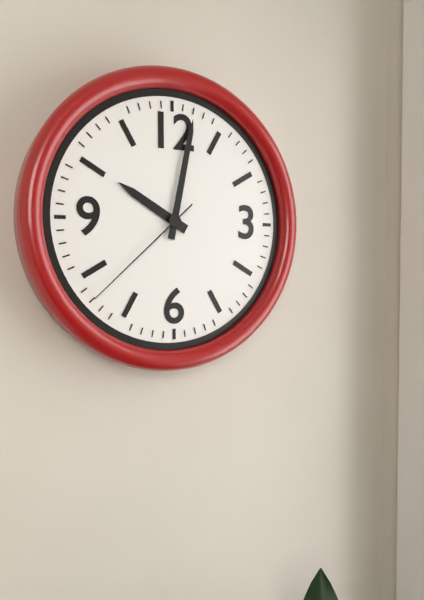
10.02.38
